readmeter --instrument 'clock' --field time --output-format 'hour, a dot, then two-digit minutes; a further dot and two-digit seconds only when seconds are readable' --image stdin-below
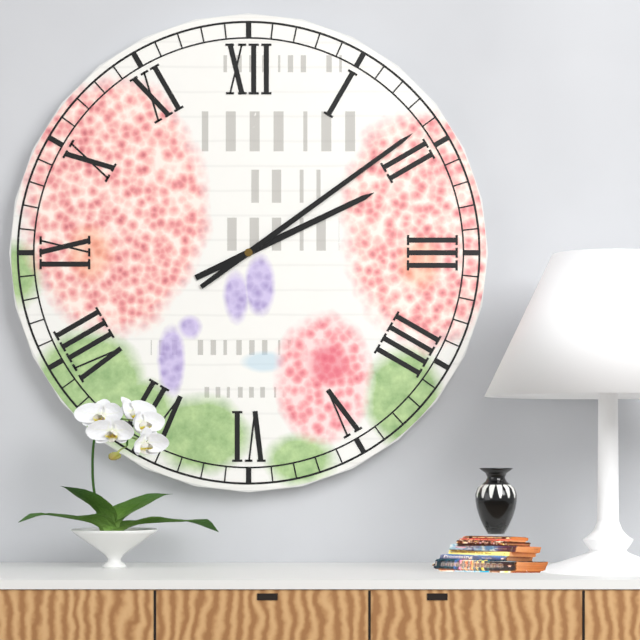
2.09
